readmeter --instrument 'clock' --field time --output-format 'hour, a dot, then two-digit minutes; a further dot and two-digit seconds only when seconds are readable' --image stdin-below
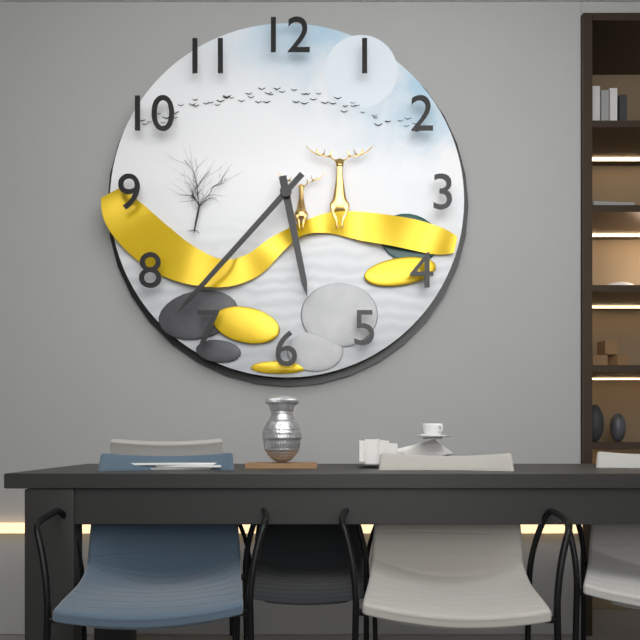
5.37
